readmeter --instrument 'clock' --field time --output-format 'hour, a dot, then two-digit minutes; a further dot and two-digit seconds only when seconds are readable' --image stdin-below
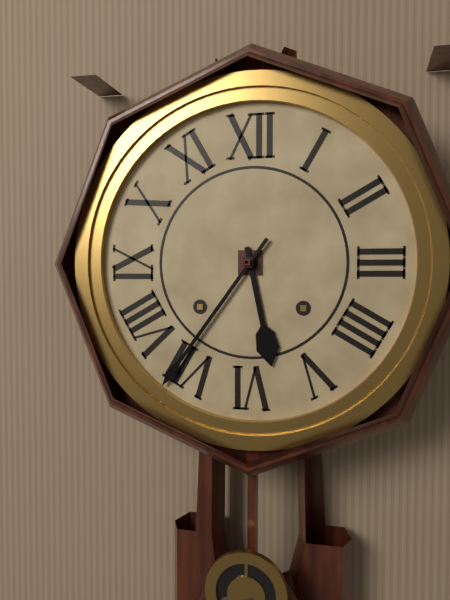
5.36
